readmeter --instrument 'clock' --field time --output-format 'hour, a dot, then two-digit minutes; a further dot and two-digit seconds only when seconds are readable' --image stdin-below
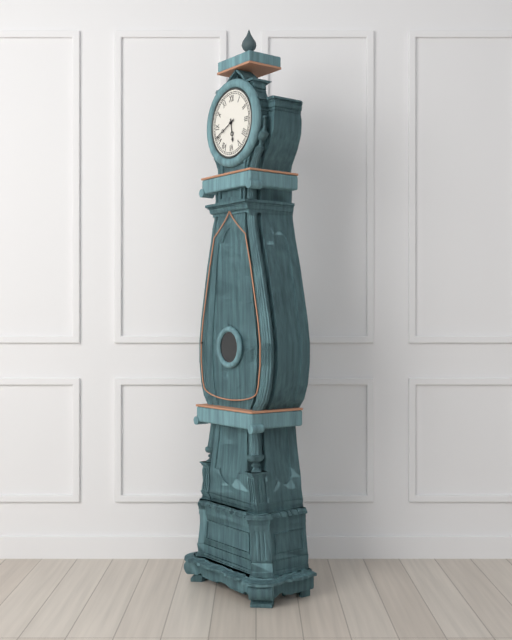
5.41
